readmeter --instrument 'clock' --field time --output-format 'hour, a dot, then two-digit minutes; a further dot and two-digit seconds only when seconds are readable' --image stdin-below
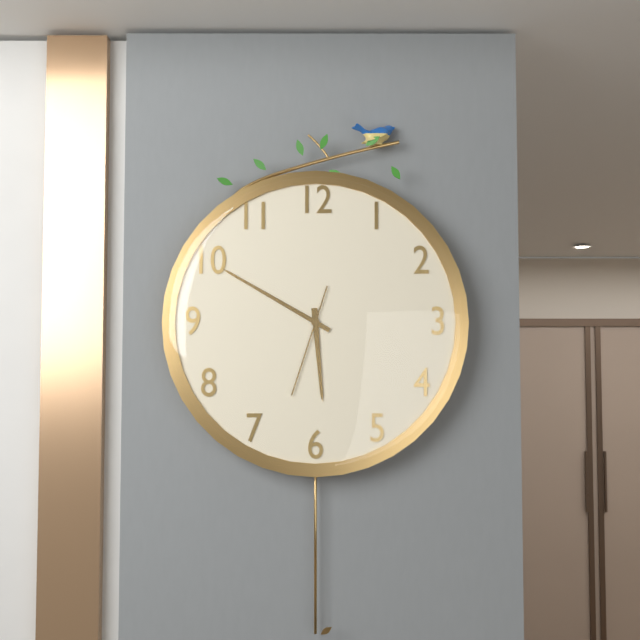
5.50.33
